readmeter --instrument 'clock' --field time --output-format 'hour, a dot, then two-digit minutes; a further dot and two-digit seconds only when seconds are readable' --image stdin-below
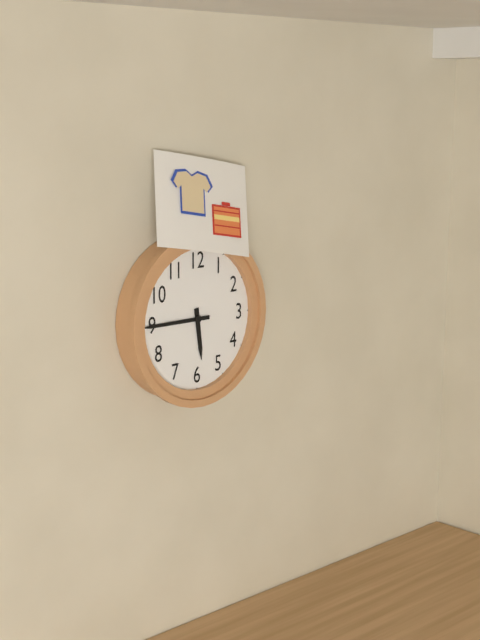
5.45
